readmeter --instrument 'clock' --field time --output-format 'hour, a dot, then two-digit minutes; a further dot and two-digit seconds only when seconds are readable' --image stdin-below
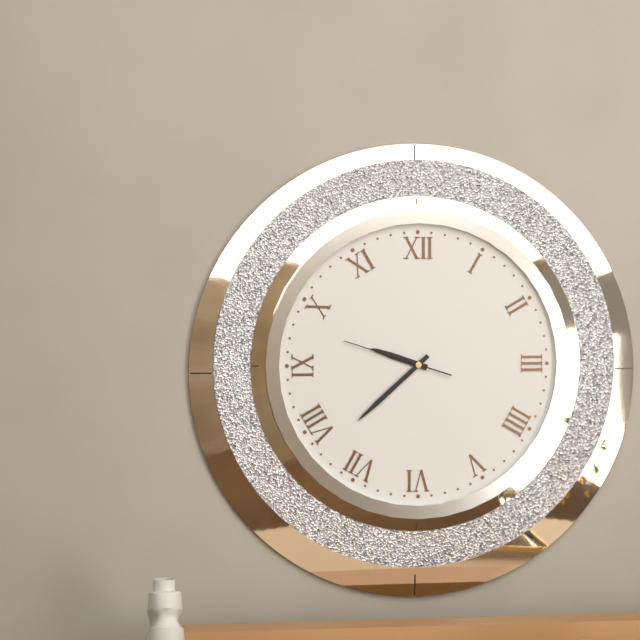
9.38.48
